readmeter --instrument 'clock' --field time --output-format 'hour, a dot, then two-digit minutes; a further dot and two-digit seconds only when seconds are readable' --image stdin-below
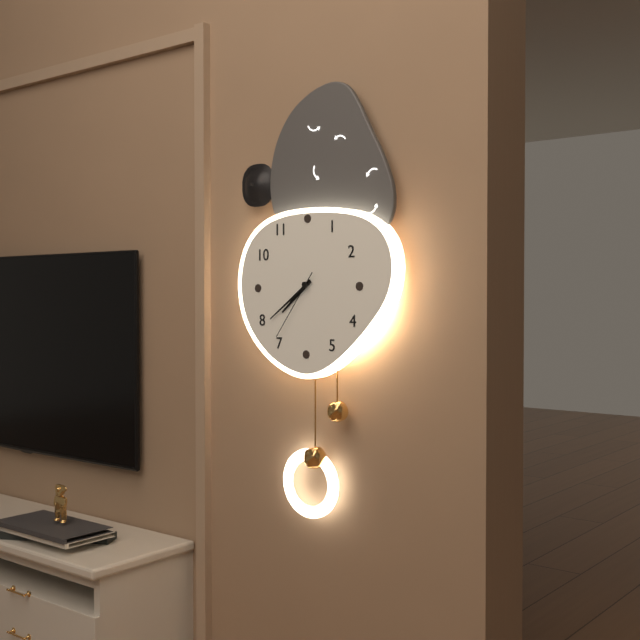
7.39.36
